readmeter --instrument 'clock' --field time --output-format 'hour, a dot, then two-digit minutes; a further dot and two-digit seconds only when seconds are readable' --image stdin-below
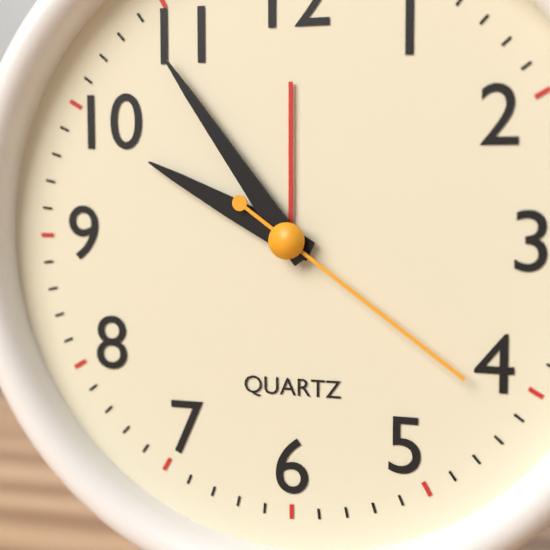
9.54.21
